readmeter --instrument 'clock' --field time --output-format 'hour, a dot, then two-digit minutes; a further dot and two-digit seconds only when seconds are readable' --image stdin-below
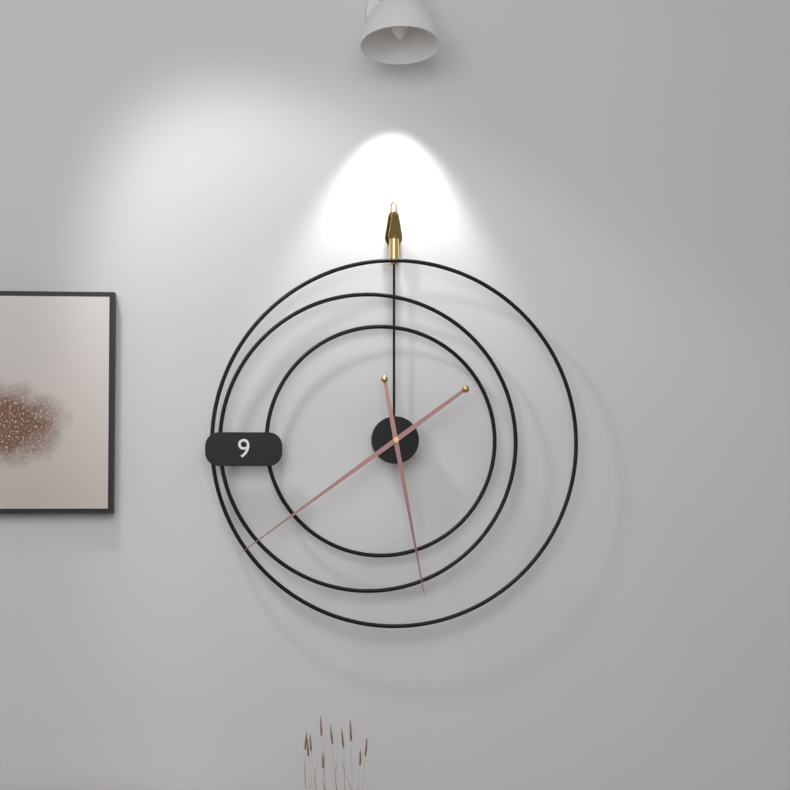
5.39
